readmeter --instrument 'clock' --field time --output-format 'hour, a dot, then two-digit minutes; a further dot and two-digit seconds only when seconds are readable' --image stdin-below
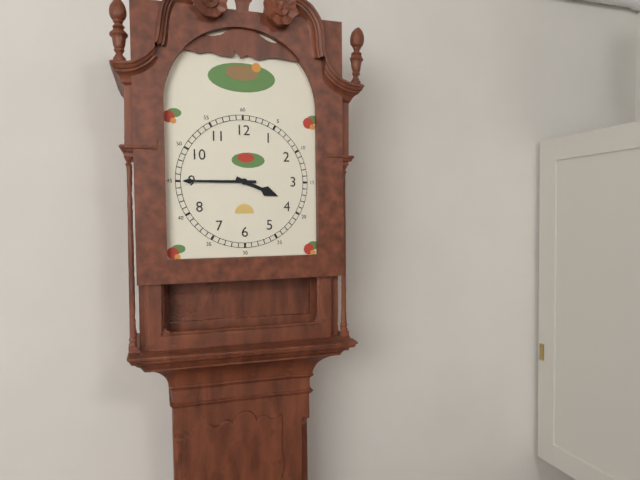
3.45
